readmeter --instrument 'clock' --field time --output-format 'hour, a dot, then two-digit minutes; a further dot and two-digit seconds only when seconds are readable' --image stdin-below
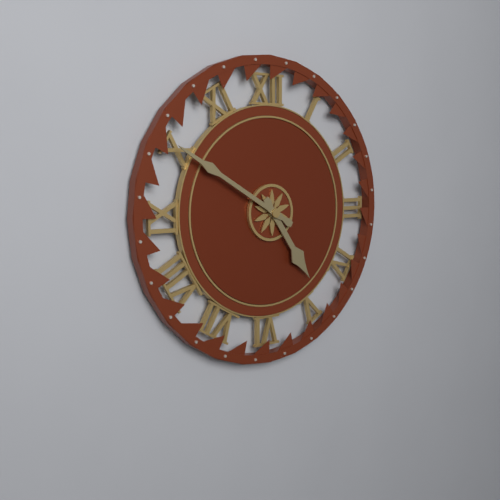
4.50
